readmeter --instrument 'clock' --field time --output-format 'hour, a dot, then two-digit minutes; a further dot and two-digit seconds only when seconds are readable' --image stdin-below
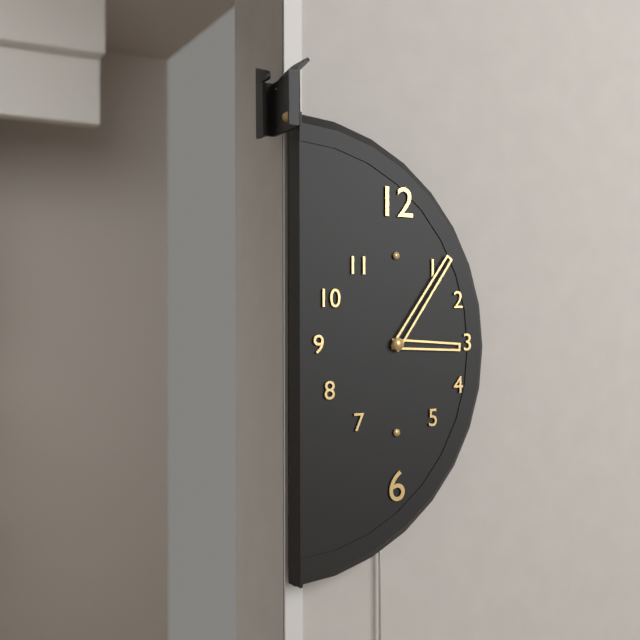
3.06
